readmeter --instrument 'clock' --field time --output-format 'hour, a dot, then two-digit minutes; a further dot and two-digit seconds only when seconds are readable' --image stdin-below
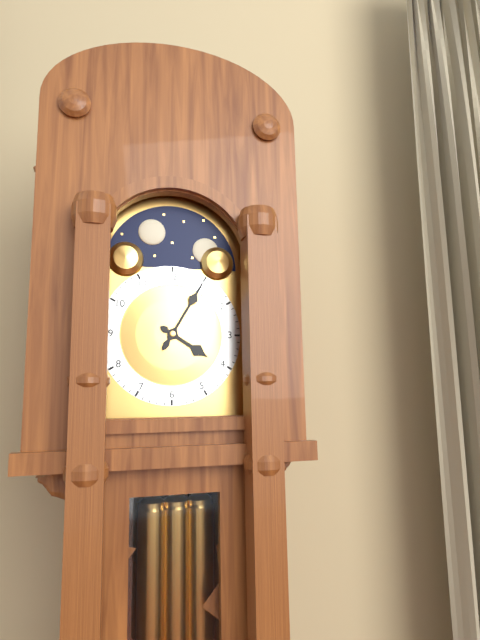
4.05
